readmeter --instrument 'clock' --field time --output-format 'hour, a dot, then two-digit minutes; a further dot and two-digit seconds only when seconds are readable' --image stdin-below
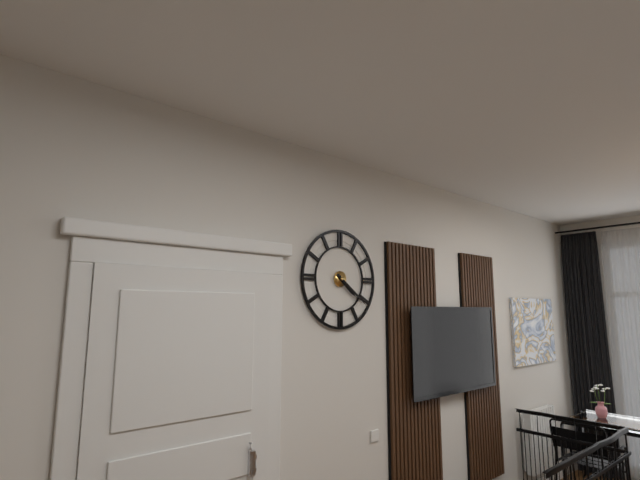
4.21
